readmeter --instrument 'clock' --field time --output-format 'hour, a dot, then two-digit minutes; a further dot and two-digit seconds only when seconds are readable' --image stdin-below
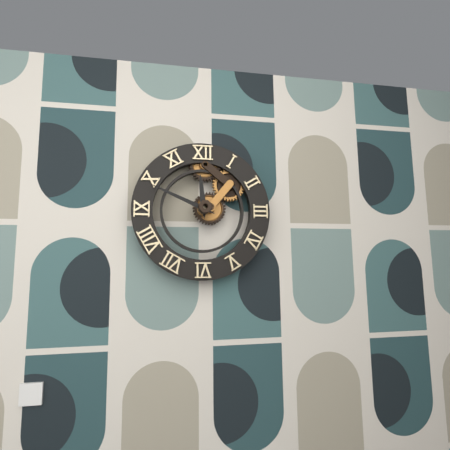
11.49
